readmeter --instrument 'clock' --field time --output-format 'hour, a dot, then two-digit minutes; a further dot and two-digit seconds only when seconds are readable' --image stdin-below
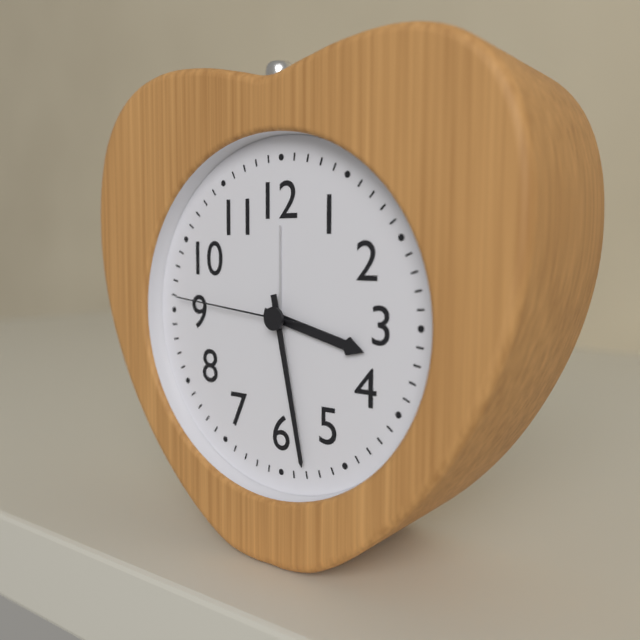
3.28.46
